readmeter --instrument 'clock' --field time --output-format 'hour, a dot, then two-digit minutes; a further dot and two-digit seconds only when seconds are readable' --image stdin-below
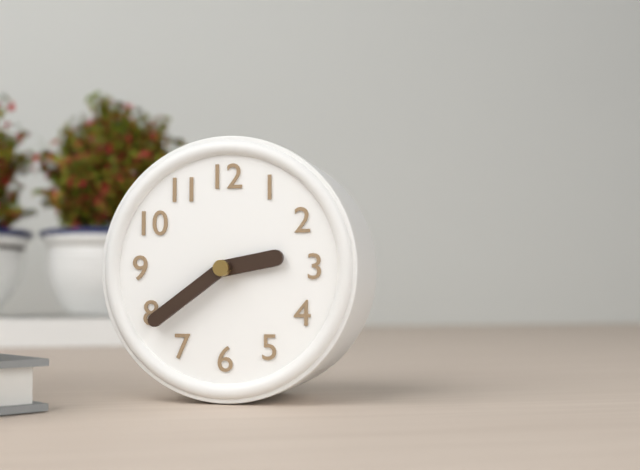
2.39
